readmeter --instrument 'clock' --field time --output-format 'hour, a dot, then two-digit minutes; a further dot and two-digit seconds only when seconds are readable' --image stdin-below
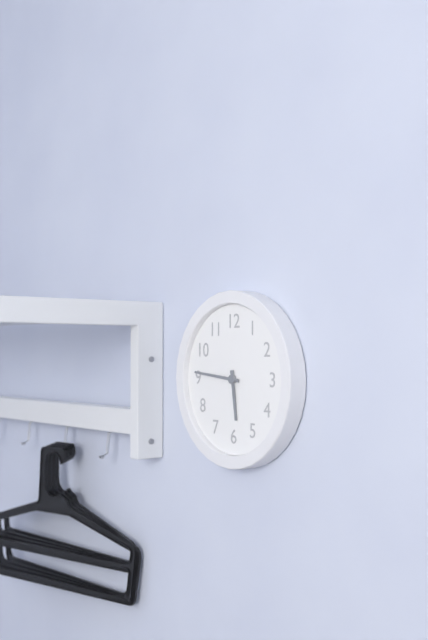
5.46
